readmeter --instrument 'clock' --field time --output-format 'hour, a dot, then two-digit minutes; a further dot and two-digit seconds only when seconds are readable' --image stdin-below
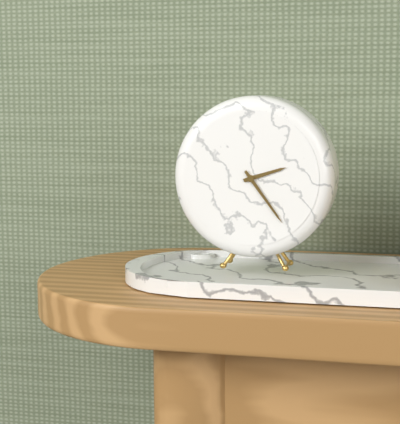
2.24
